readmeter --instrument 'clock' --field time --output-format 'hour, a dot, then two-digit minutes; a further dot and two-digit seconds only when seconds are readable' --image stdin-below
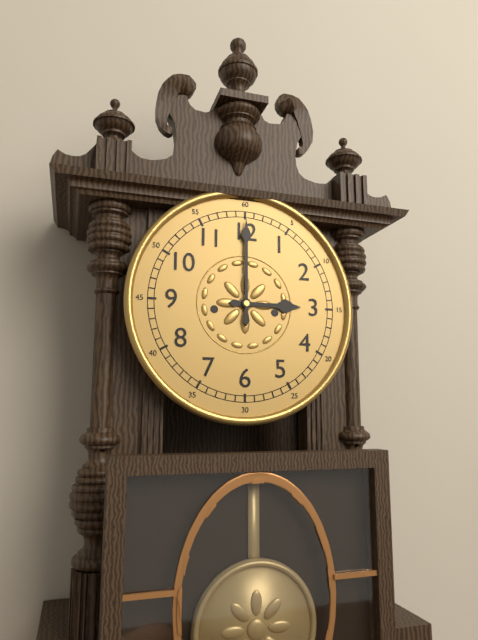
3.00
